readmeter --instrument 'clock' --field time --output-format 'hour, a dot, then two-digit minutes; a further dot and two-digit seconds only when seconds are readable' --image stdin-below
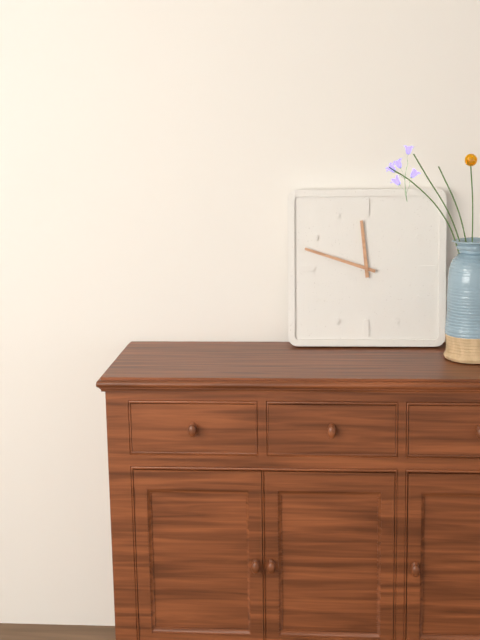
11.48
